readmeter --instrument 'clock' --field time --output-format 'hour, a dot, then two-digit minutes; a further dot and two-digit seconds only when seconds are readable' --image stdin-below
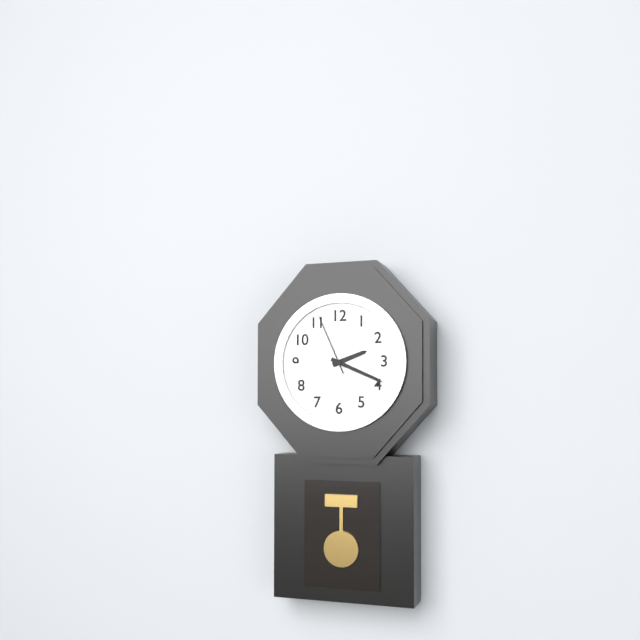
2.19.56
